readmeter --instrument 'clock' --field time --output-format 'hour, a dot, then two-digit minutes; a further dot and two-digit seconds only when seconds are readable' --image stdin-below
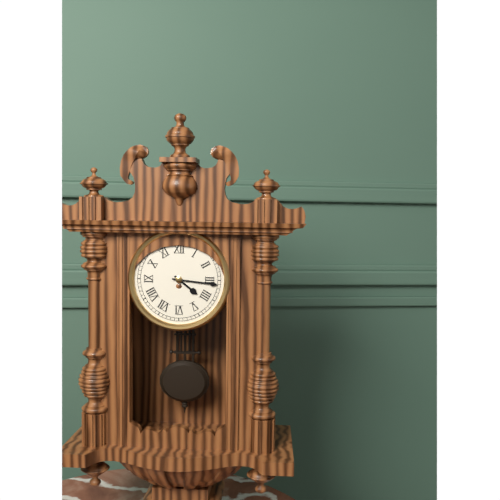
4.16
